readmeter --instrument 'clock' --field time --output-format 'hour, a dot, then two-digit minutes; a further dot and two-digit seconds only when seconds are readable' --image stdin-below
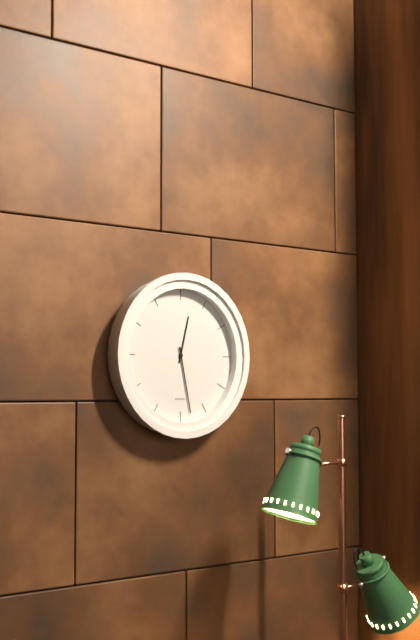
12.28
